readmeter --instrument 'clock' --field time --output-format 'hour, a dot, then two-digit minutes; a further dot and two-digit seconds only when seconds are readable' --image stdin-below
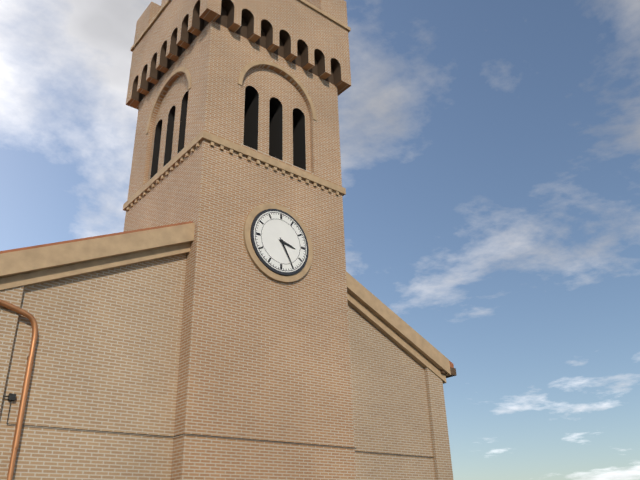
3.25
